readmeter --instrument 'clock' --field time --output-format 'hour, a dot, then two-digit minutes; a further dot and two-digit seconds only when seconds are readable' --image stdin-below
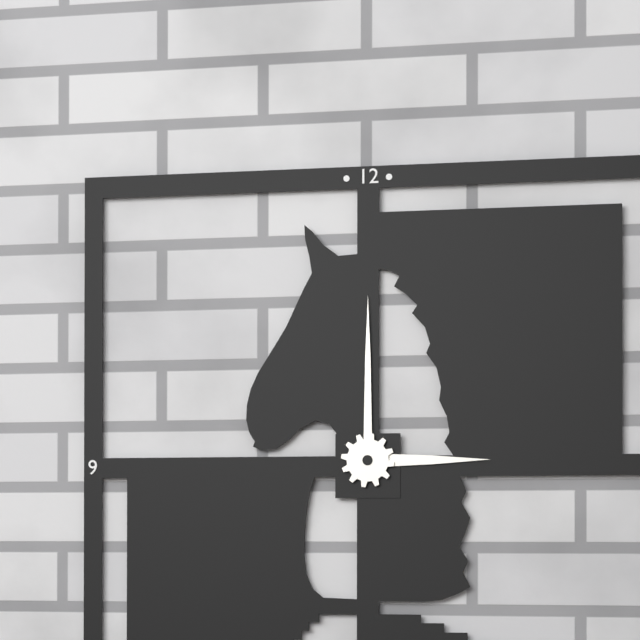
3.00
